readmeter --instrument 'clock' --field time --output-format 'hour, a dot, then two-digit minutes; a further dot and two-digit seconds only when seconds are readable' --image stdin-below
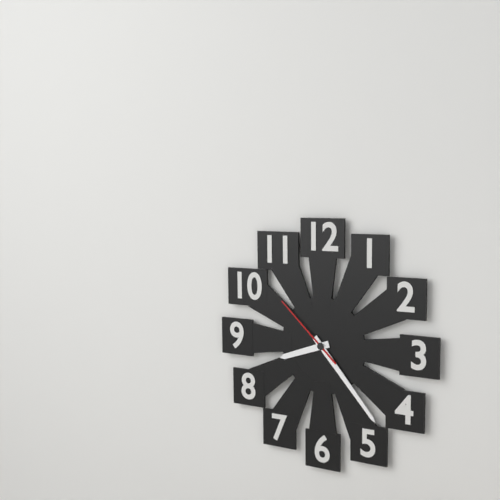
8.23.52
